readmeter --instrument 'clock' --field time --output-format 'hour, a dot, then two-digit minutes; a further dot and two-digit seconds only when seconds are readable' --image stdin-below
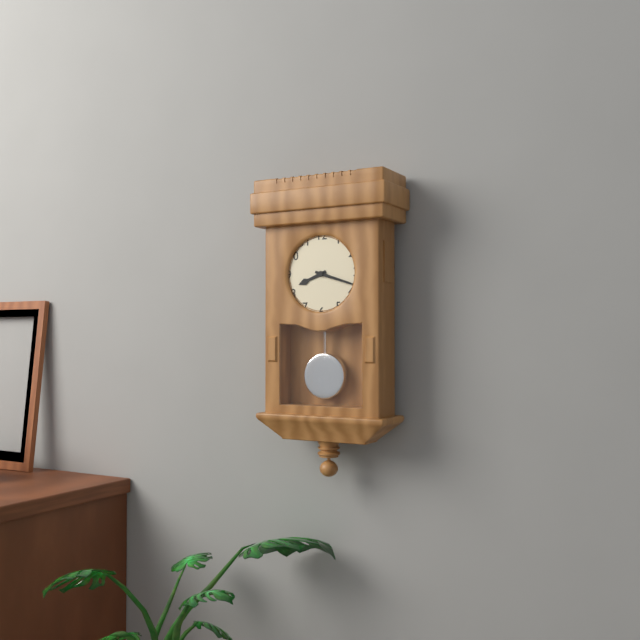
8.18
